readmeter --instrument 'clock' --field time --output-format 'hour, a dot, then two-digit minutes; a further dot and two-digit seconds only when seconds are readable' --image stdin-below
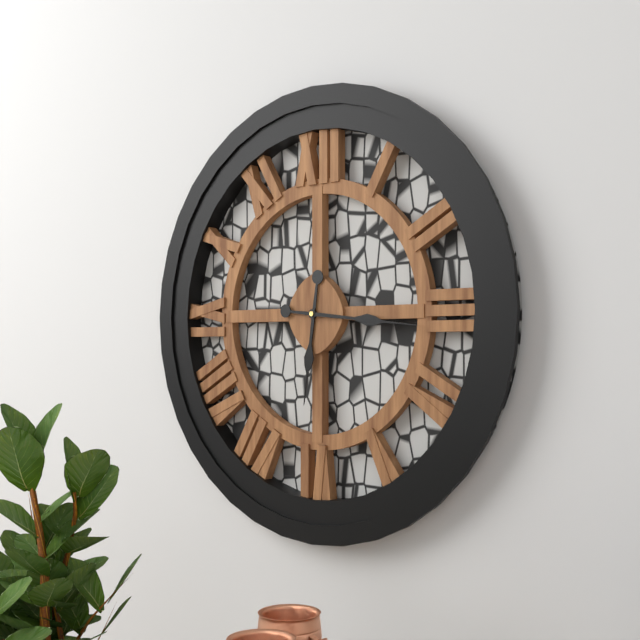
6.16
